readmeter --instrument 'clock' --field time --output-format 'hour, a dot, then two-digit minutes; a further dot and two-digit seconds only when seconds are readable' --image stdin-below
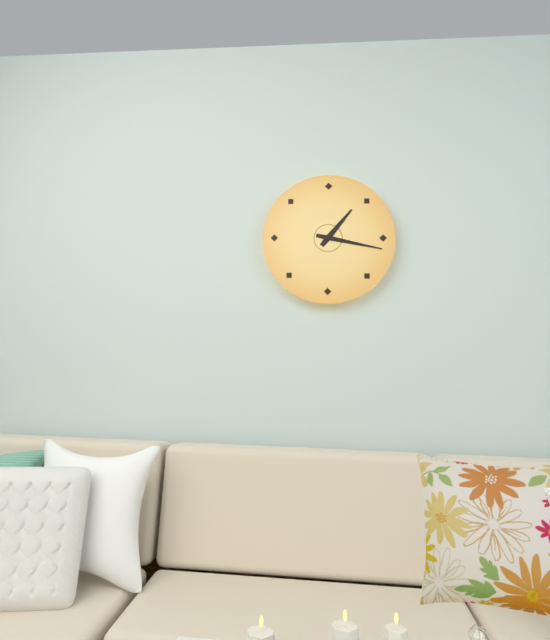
1.17
